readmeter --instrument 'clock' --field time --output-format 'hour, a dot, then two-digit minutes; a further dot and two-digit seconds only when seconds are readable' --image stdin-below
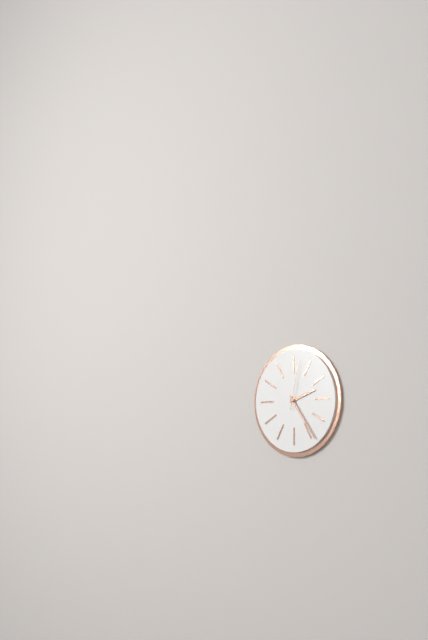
2.24.02
